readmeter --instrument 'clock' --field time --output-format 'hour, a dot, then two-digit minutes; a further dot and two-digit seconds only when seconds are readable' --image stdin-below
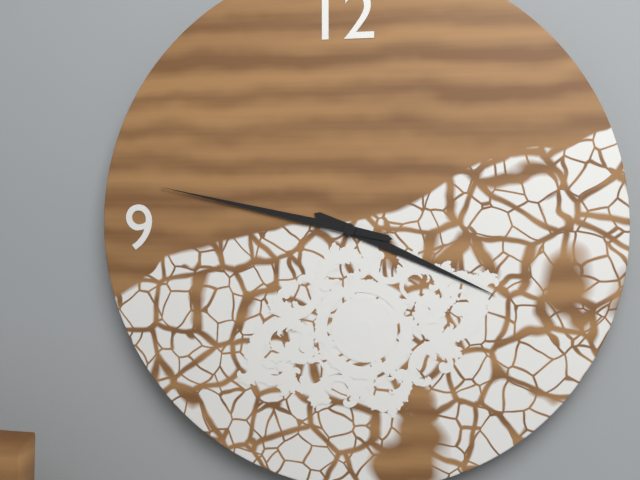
3.47
